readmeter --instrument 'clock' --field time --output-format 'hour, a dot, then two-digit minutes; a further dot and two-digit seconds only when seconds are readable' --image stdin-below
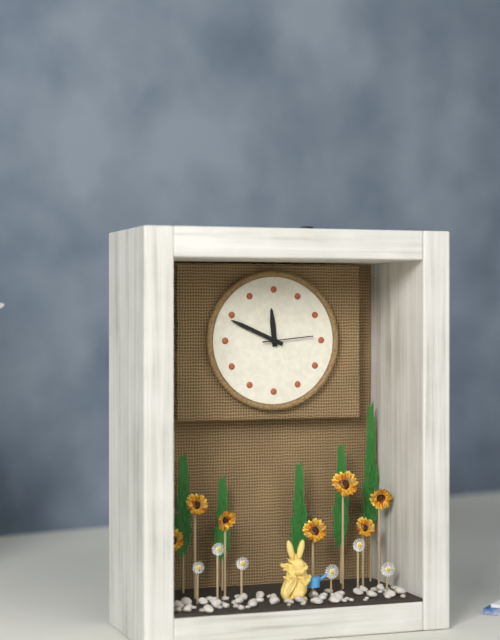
11.49.14
